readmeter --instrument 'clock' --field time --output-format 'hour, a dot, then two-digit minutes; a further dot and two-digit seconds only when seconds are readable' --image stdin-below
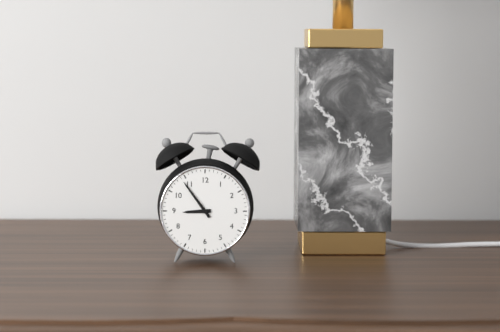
8.54
